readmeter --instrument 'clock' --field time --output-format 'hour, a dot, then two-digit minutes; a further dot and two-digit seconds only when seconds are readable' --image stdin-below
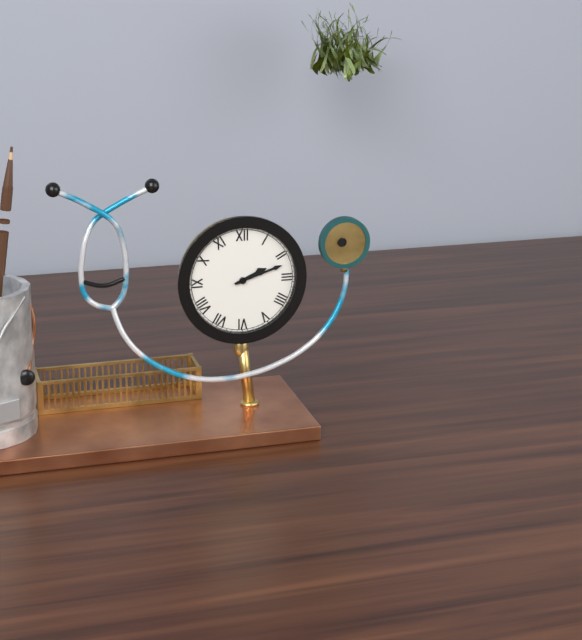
2.12
